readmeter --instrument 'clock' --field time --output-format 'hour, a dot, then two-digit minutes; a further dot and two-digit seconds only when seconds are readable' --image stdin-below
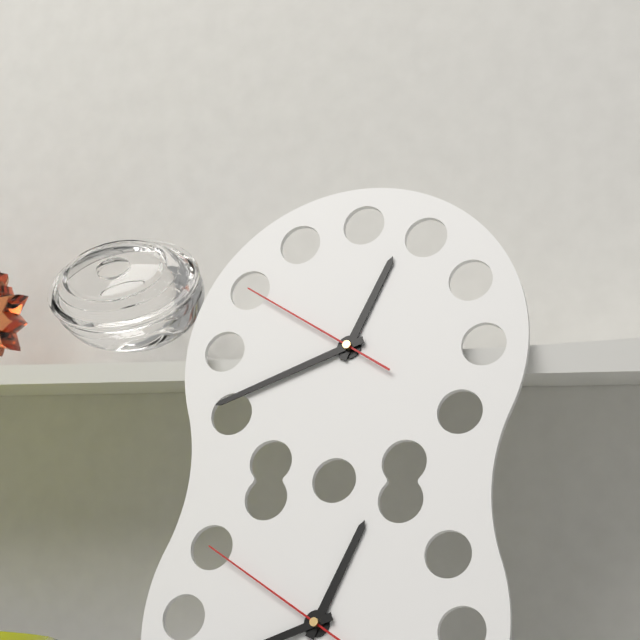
12.41.50
